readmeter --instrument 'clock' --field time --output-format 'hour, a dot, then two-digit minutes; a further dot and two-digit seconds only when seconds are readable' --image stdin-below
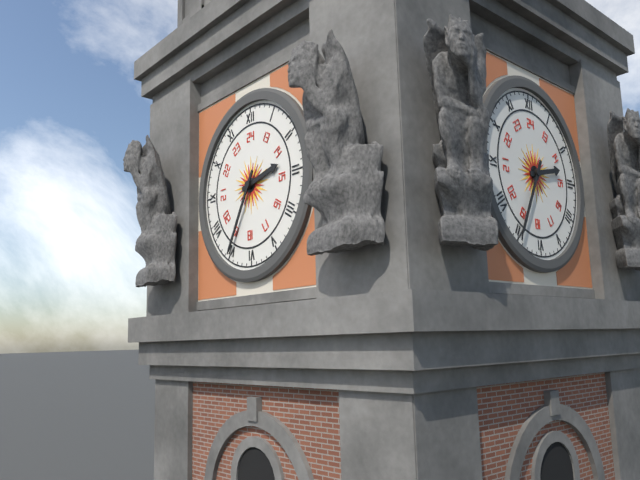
2.35
